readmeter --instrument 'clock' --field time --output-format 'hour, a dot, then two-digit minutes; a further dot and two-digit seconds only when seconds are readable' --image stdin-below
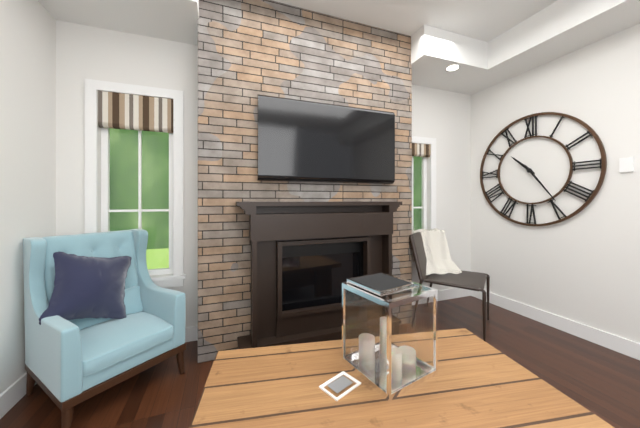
10.24
